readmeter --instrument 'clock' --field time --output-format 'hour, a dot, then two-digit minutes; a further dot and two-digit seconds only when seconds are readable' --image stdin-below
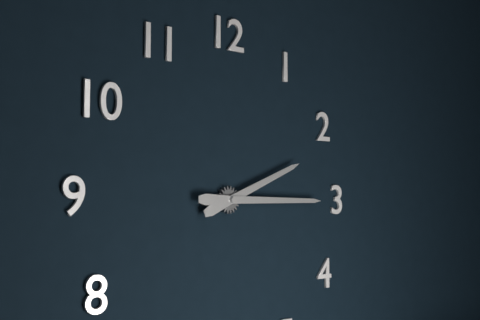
2.15
